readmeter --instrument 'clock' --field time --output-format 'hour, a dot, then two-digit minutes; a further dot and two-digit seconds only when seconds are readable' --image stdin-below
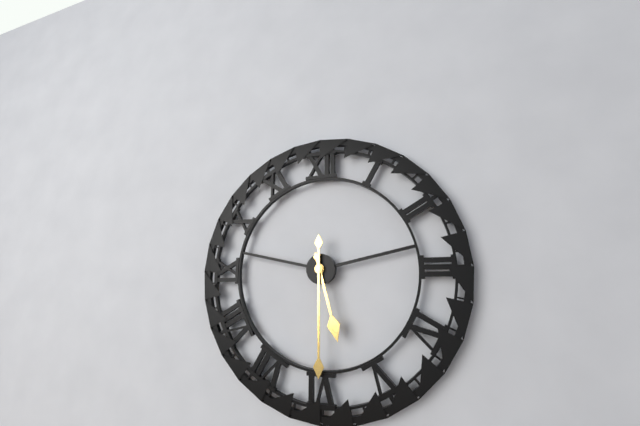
5.30
